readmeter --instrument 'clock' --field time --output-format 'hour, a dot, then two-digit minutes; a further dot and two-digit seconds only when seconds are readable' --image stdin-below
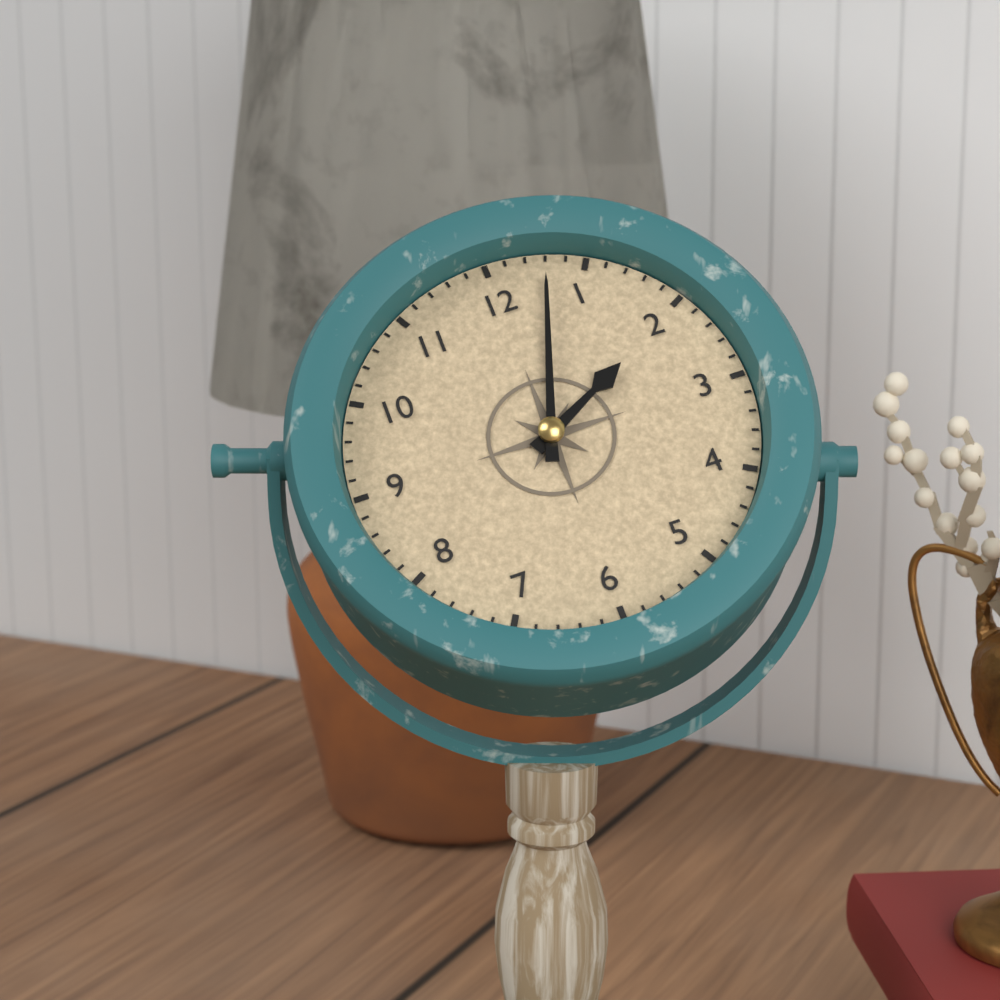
2.03
